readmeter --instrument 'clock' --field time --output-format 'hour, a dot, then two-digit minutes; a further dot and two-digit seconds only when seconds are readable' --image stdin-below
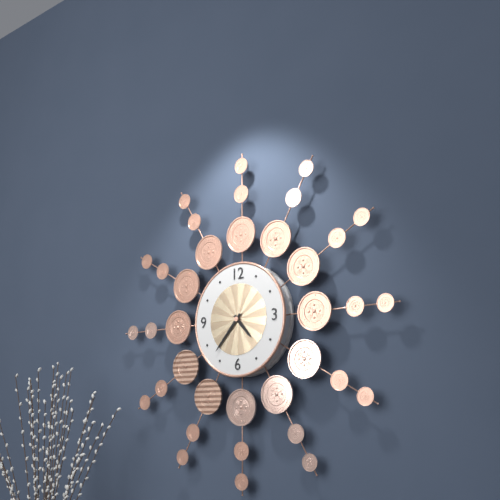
4.37
